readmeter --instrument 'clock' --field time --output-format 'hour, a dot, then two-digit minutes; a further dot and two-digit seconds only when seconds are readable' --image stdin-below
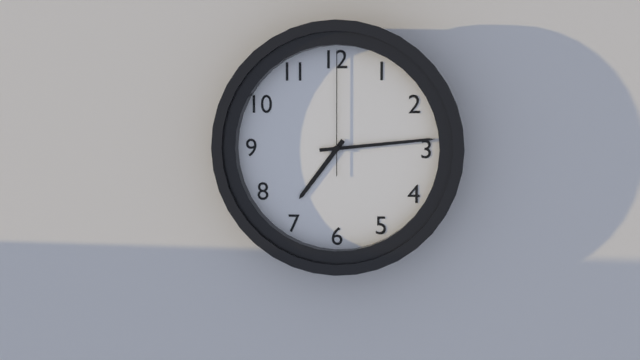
7.14.00
